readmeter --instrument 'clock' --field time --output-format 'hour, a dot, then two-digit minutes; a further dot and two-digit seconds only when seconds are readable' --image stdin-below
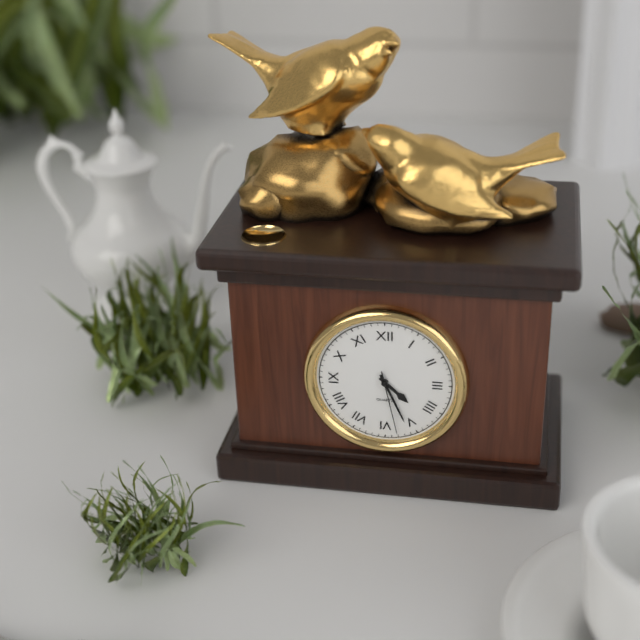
4.26.28
